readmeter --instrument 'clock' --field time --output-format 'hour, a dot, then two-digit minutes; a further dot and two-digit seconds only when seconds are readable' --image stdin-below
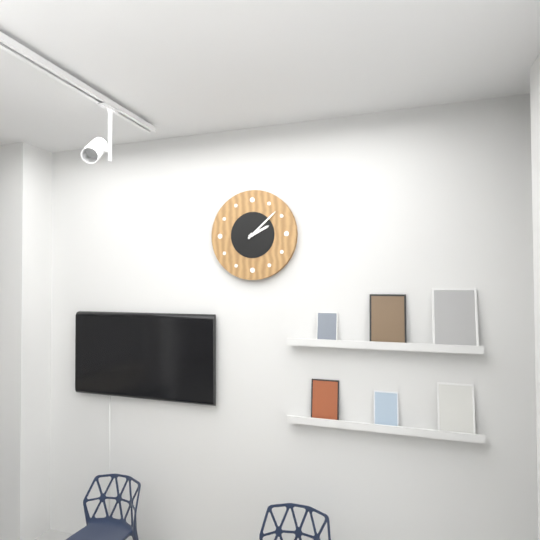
2.08
